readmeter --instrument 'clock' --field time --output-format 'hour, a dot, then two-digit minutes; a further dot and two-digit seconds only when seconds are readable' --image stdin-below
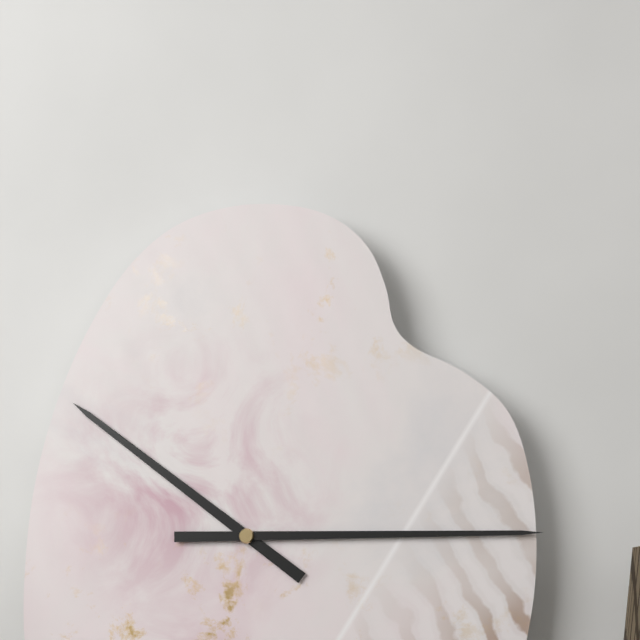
10.15
